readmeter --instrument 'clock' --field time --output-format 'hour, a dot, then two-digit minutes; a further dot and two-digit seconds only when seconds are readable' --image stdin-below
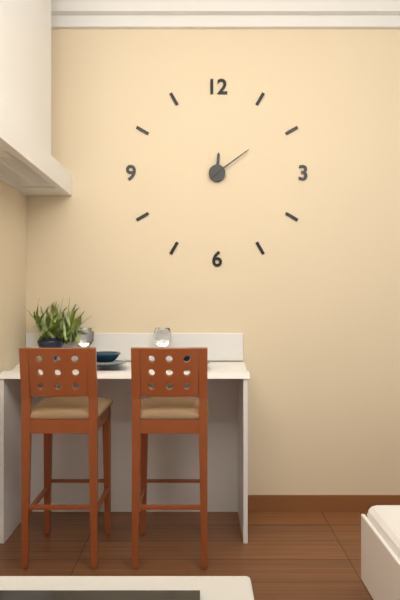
12.09
